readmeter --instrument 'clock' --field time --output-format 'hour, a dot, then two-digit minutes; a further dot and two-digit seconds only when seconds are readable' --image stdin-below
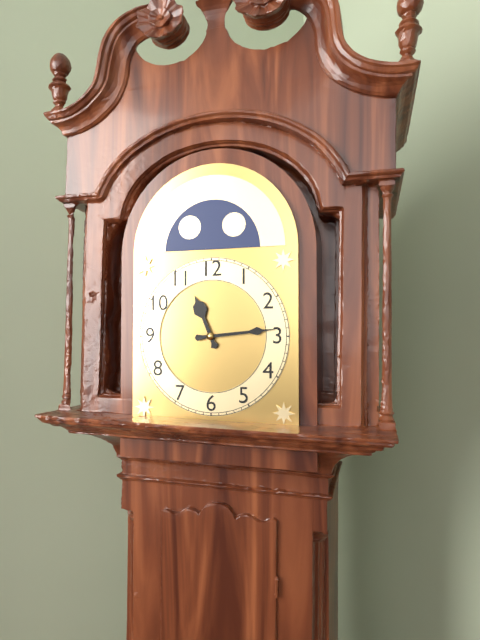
11.14
